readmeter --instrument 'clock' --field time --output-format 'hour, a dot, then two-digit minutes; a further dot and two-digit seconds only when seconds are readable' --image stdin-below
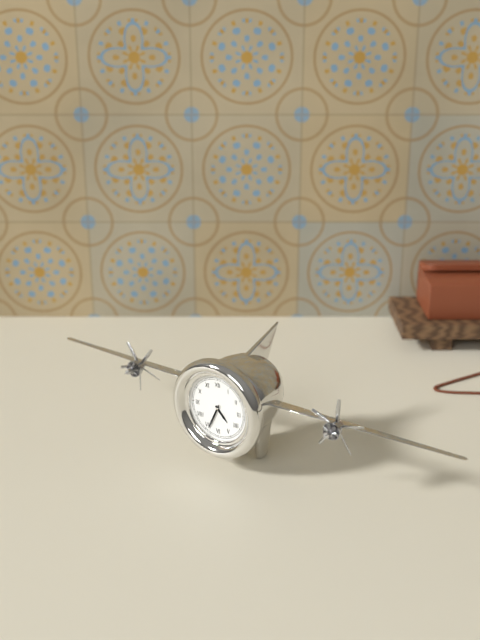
4.34
